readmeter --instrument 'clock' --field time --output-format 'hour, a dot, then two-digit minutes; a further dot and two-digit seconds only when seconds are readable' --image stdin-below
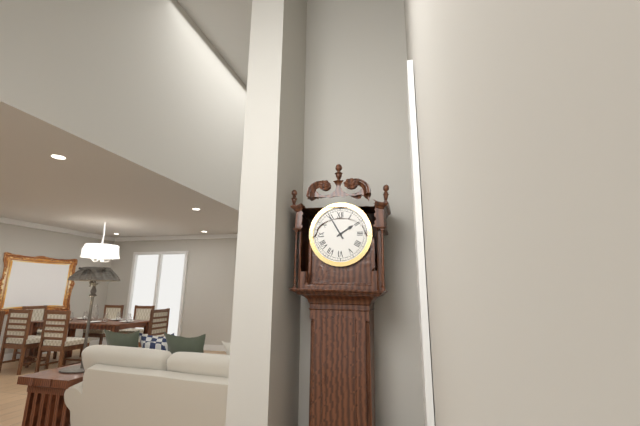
1.55
